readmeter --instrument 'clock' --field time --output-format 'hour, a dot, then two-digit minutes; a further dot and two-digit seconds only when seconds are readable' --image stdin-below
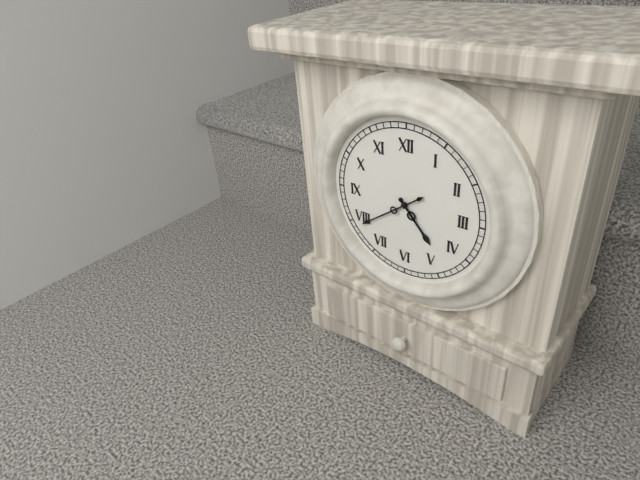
4.39
